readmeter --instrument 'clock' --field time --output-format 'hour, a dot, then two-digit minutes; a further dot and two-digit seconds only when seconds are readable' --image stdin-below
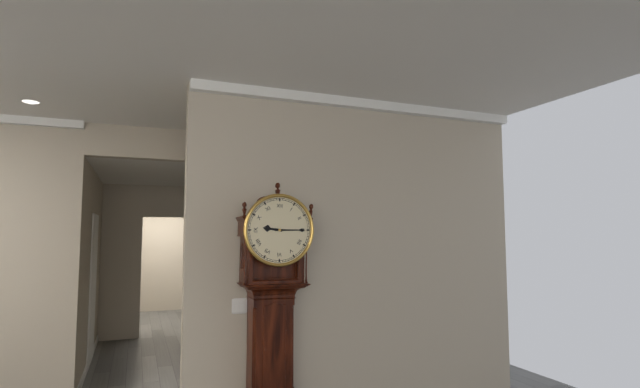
9.15
